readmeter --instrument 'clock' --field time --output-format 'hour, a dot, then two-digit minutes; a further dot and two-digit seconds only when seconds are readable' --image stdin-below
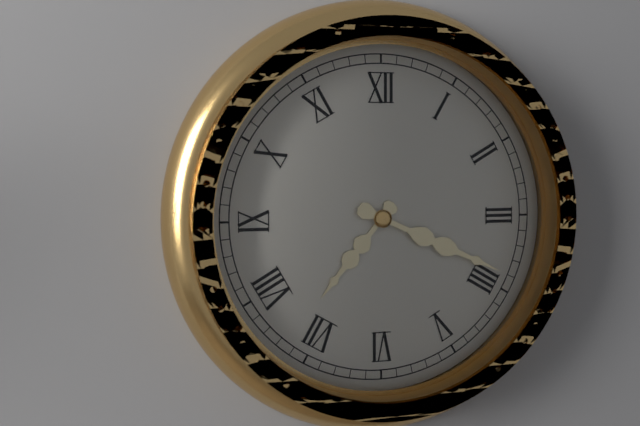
7.19
